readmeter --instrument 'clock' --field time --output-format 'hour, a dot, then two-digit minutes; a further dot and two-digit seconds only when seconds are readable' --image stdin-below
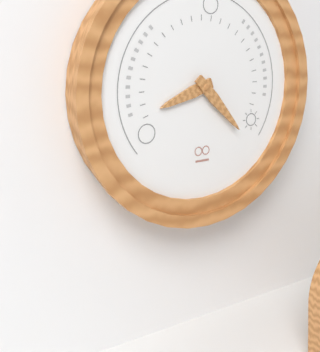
8.23
